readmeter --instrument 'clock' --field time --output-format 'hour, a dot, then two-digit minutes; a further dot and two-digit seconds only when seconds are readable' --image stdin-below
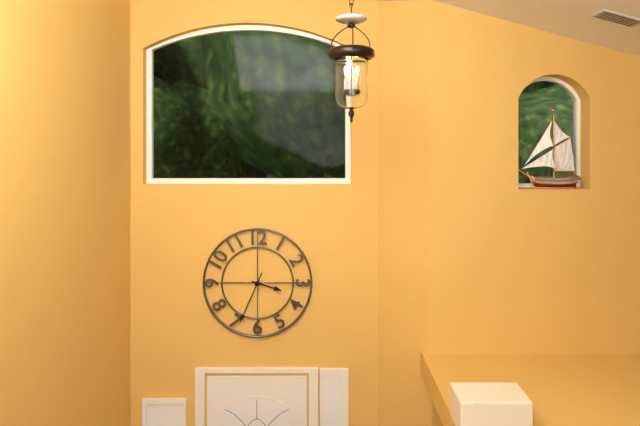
3.34
